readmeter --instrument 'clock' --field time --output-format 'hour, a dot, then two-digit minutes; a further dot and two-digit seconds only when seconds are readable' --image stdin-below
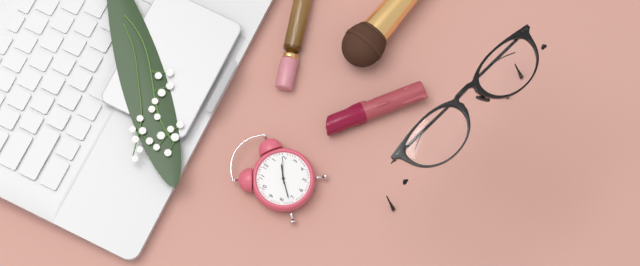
1.37
